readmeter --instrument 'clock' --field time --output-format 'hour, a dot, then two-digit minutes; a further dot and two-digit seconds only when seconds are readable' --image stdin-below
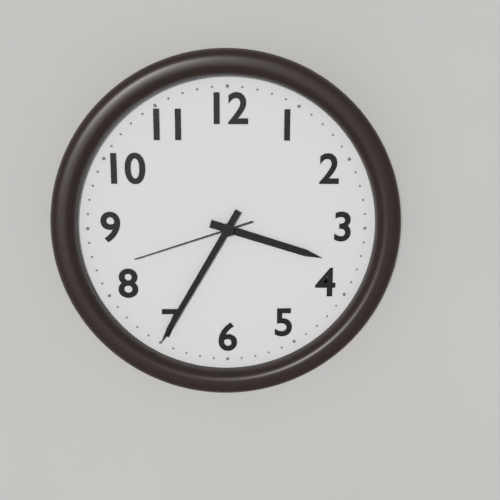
3.35.42
